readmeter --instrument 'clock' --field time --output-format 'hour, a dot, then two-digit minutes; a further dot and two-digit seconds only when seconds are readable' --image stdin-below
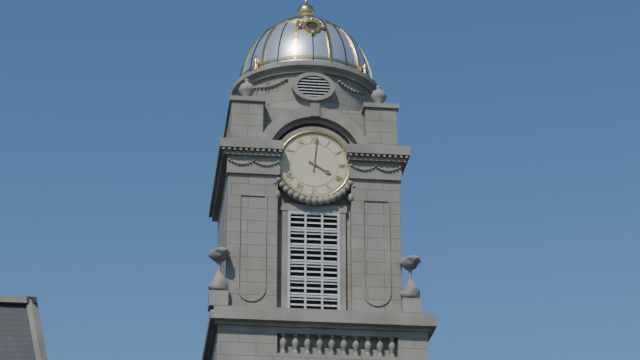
4.01
